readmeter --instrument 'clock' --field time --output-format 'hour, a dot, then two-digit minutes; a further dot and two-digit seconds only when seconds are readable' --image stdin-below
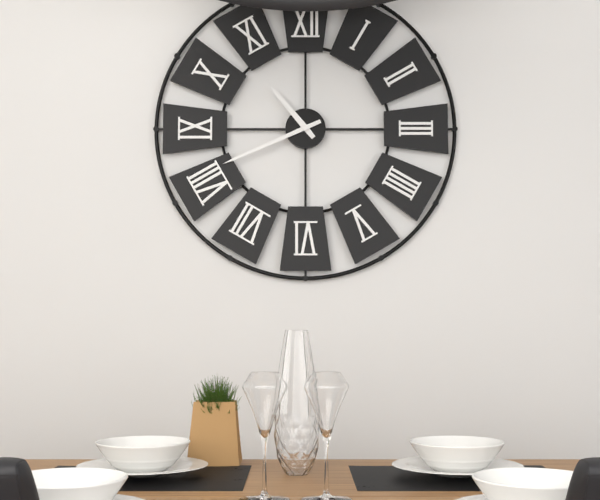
10.41
